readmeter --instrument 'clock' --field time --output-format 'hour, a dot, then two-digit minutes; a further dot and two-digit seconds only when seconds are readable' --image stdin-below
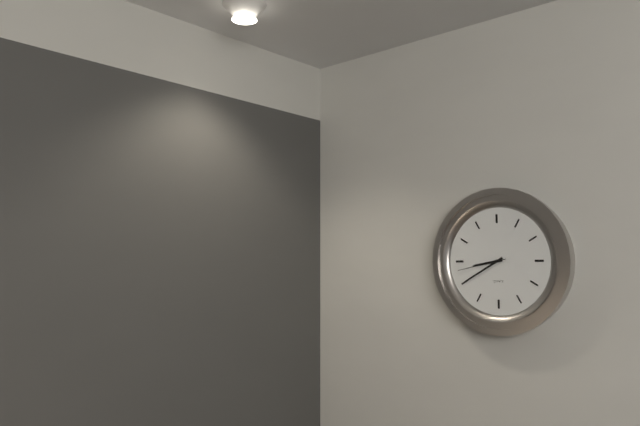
8.40.43
